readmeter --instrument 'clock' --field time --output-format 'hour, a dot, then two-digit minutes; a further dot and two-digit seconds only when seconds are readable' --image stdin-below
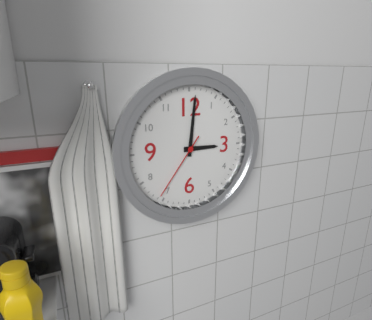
3.01.36
